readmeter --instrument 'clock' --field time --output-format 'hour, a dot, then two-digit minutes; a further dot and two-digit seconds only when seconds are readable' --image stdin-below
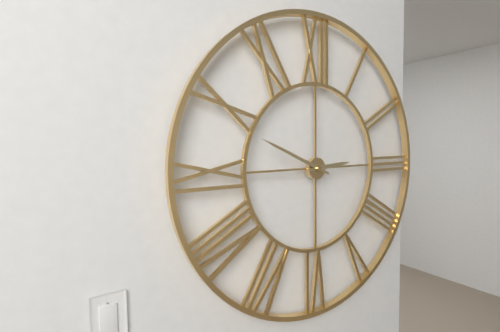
2.49
